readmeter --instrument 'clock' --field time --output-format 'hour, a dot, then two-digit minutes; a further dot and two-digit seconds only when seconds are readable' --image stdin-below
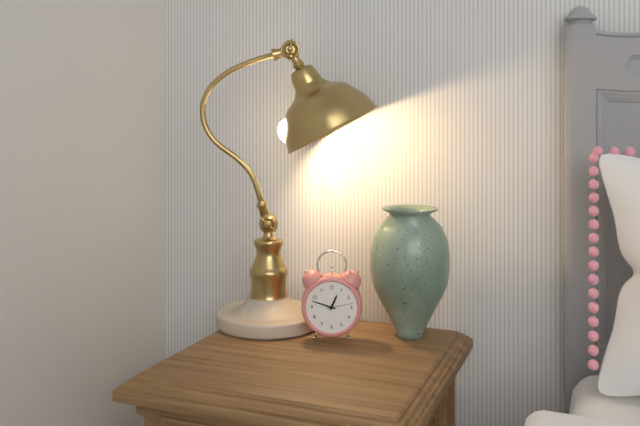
12.48
